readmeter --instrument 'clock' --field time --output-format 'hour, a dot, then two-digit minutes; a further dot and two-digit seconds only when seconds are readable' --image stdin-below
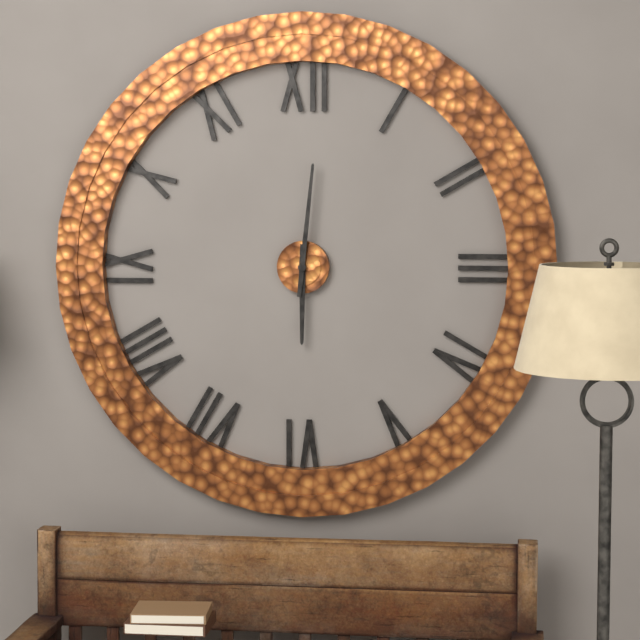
6.01
